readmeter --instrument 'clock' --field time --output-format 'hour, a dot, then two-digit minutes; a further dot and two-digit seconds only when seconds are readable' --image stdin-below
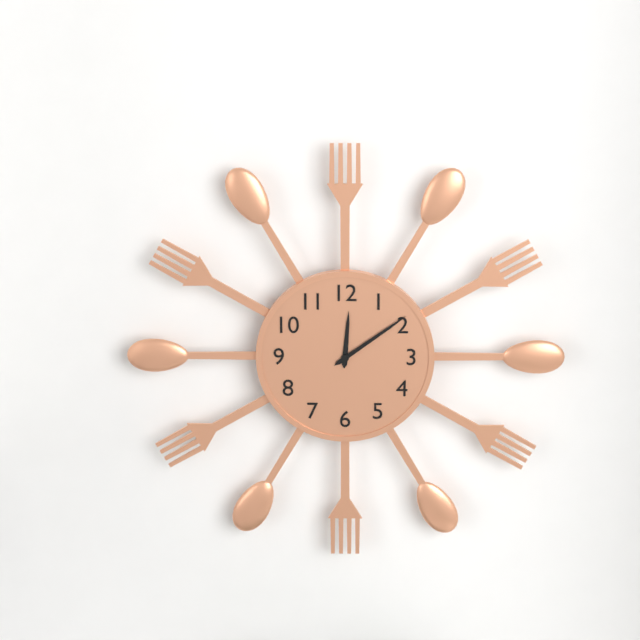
12.09
